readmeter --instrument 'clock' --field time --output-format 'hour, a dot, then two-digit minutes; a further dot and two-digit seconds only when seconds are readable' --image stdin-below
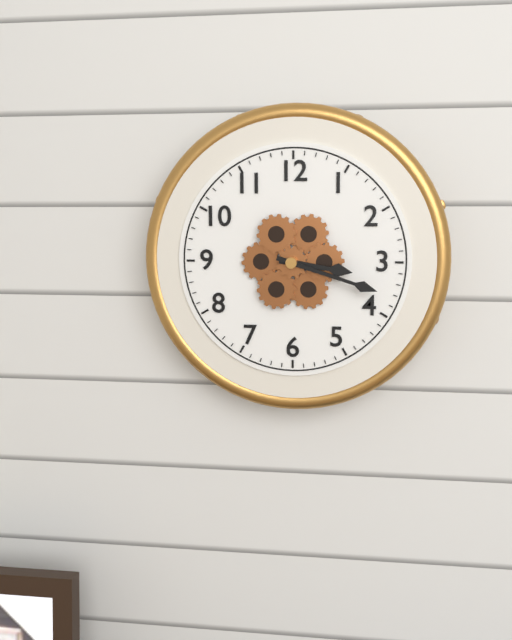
3.18
